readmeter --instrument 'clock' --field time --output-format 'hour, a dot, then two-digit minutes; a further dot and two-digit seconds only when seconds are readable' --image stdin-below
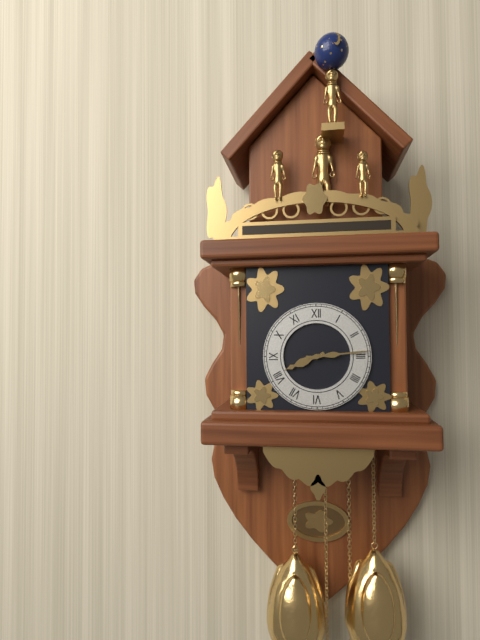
8.14
